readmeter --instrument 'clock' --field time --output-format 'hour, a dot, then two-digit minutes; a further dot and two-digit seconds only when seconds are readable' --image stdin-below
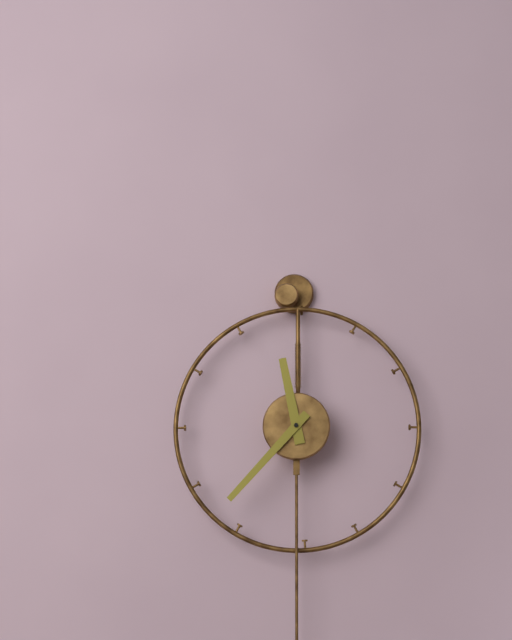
11.37
